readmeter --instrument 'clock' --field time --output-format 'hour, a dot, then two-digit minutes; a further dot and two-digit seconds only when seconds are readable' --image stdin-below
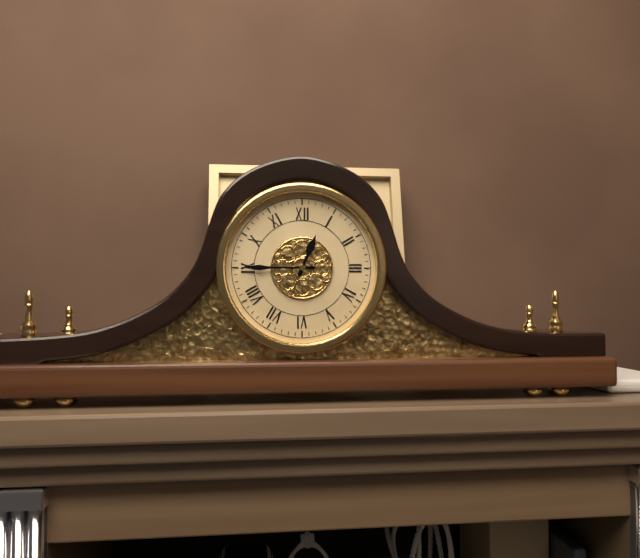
12.45
